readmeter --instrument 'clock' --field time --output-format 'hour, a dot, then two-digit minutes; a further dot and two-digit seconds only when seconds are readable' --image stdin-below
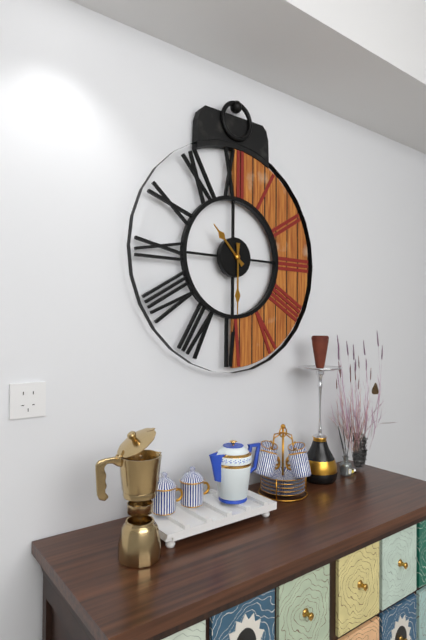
10.30
